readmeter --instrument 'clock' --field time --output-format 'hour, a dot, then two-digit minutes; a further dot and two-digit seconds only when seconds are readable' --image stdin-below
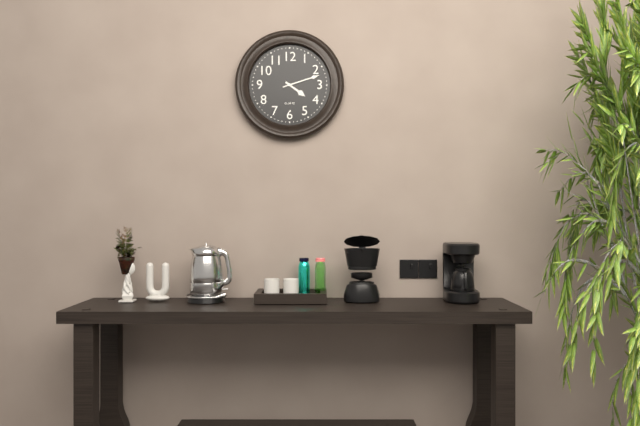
4.12
